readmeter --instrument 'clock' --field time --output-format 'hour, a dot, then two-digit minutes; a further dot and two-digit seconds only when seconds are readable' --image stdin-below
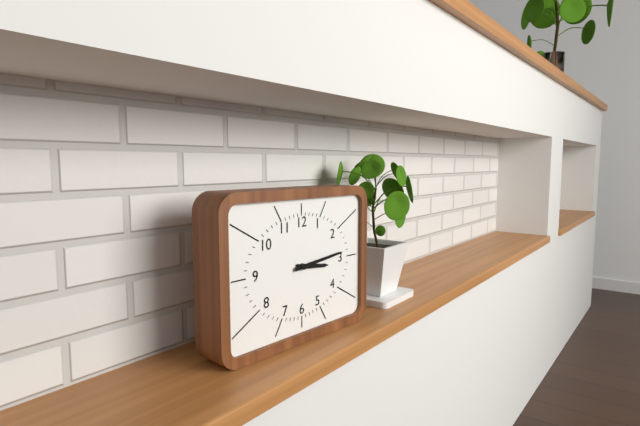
3.14
